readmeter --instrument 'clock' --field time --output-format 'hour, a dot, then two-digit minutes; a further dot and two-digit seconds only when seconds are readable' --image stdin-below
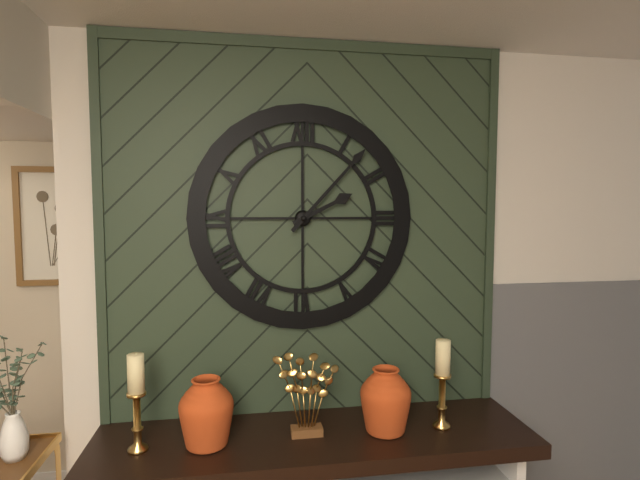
2.07
